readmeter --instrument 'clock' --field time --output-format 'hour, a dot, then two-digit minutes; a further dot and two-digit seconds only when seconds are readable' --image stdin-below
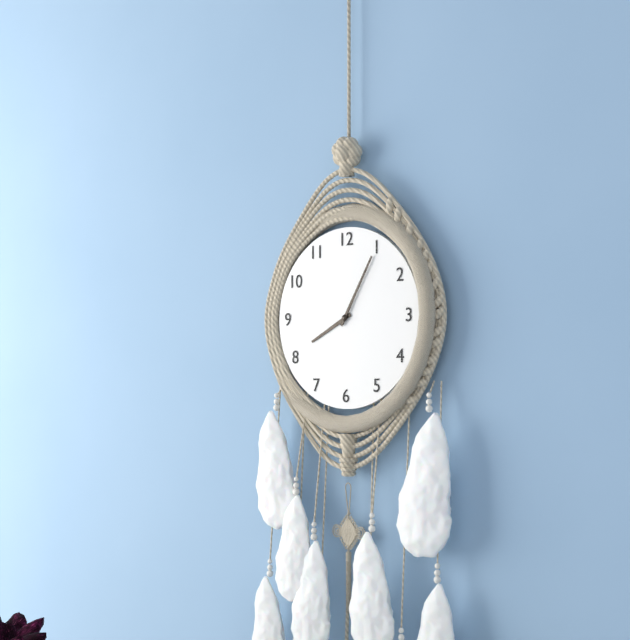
8.05
